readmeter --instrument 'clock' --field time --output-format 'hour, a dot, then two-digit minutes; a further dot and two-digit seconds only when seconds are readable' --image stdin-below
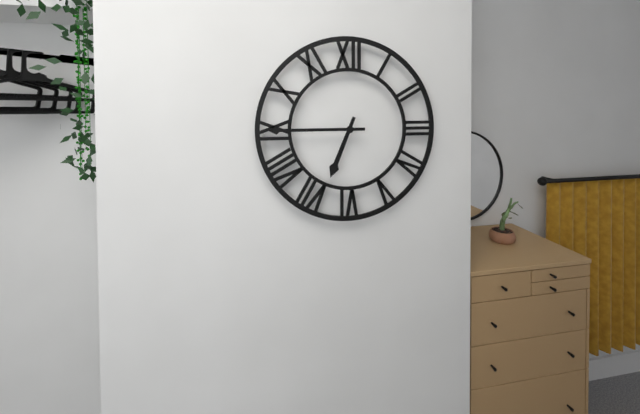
6.45
